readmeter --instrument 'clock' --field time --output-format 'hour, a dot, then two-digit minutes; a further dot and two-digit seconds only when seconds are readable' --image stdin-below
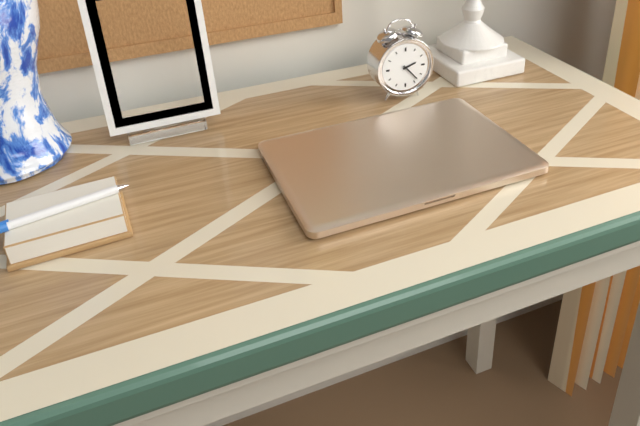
2.23
